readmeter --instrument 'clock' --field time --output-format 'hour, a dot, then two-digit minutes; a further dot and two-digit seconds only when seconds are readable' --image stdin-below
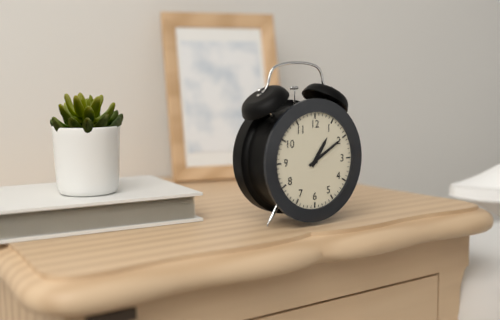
1.10
